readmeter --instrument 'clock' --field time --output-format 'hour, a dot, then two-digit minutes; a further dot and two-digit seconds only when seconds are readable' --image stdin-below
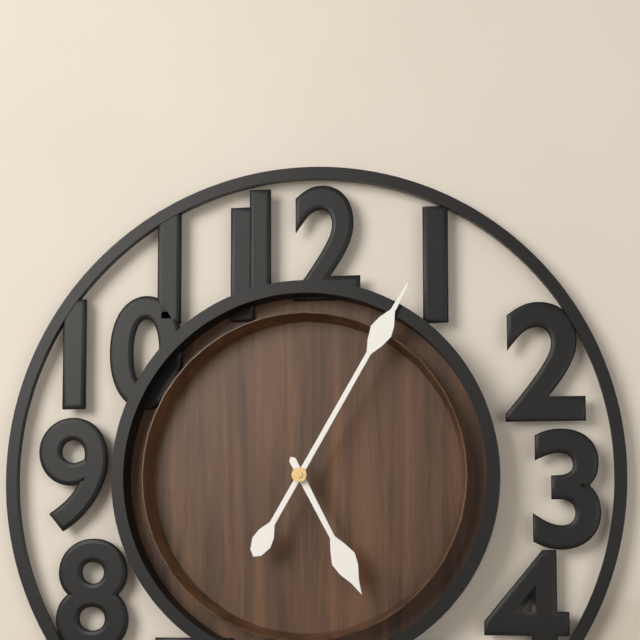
5.05
